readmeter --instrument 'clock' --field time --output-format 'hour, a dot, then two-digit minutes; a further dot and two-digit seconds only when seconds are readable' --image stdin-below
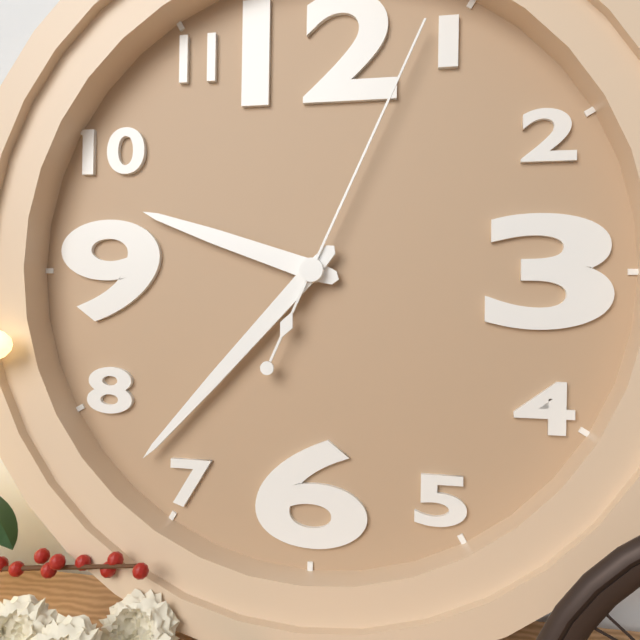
9.37.04
